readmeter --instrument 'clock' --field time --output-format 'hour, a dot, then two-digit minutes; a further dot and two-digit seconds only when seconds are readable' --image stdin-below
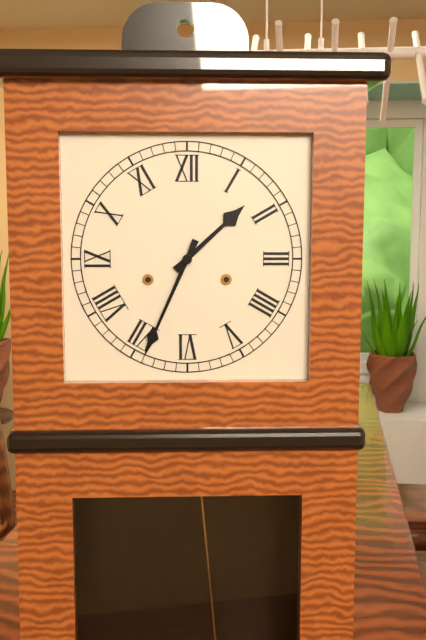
1.34
